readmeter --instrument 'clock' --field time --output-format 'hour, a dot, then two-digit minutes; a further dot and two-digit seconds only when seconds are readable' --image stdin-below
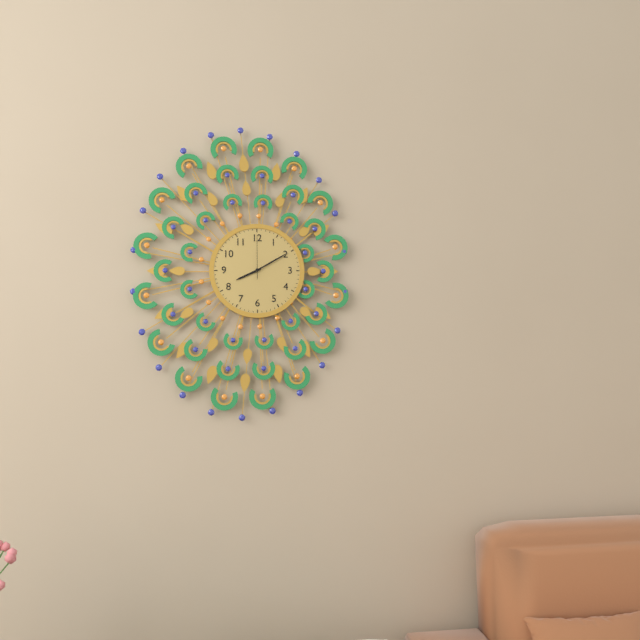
8.10.00
